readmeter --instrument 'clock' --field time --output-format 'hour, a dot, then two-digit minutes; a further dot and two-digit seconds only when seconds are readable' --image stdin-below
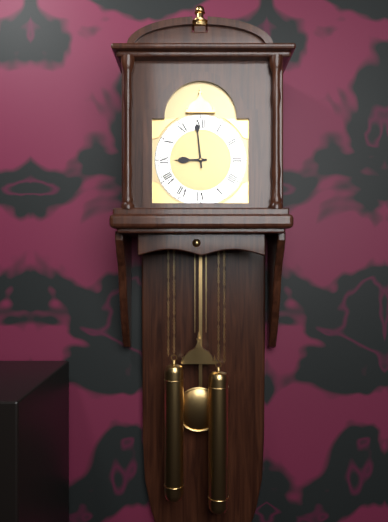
8.59
